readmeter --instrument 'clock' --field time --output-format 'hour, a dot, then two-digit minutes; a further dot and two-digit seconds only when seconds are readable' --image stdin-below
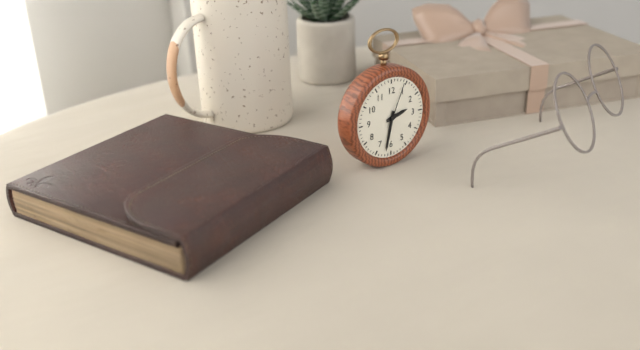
2.32
